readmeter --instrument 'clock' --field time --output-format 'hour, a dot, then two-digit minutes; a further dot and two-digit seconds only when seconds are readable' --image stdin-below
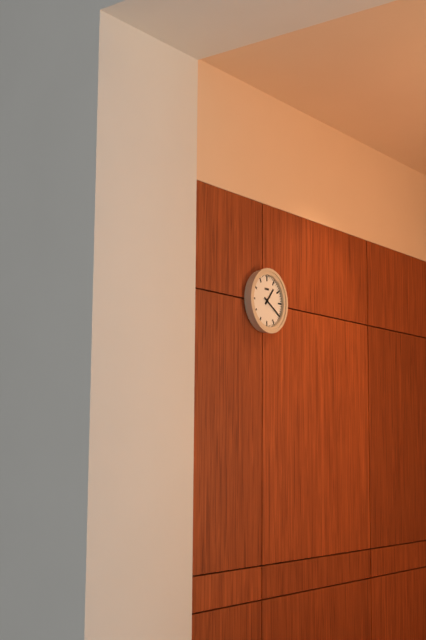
1.20
